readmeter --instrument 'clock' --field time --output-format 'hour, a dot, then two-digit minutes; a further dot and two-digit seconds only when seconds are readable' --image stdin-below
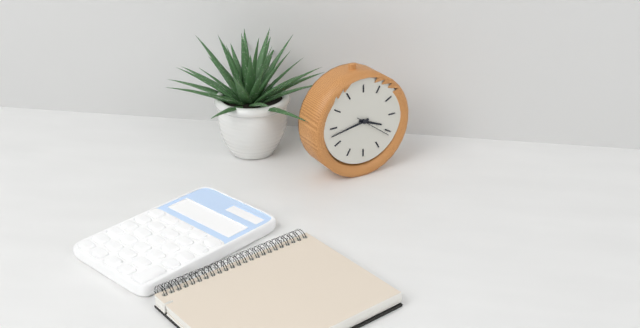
3.43
